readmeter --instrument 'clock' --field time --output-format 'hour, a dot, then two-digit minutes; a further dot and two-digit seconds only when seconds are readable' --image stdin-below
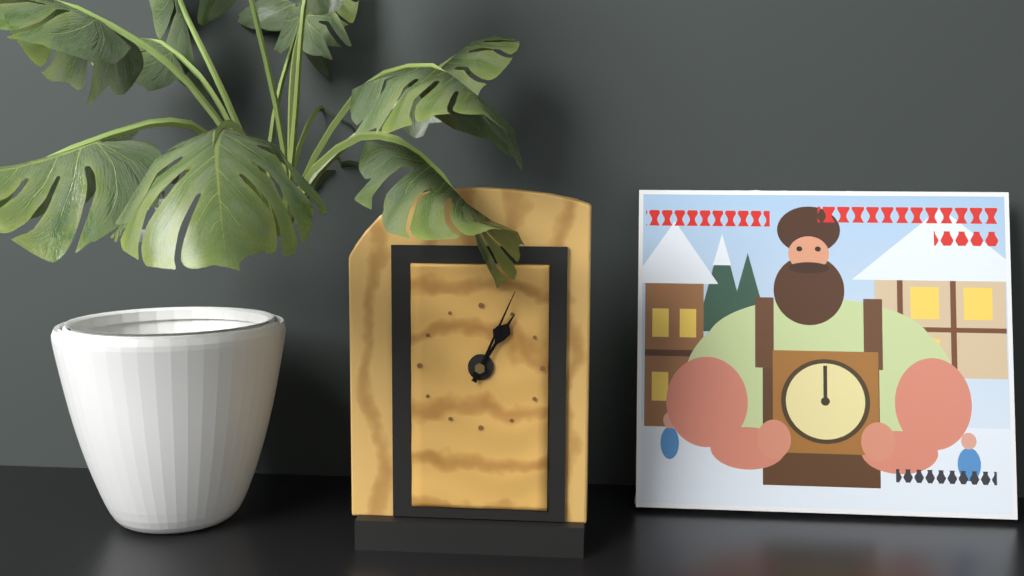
1.04
